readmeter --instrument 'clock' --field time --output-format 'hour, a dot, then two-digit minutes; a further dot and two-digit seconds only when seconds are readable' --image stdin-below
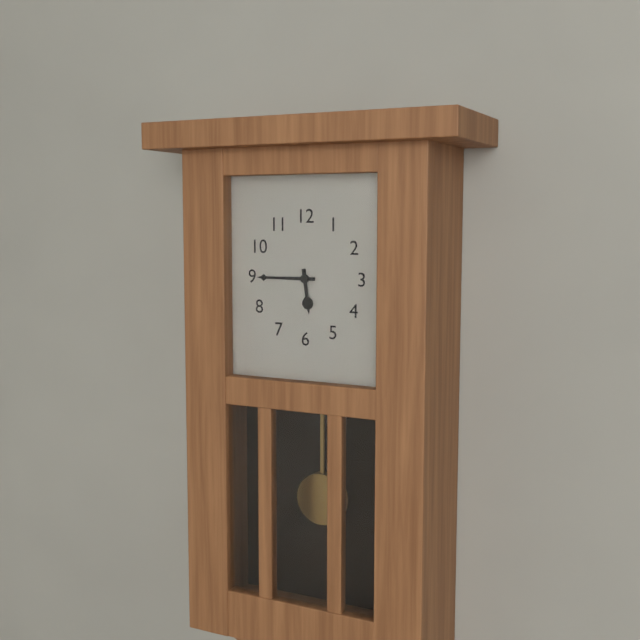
5.45
